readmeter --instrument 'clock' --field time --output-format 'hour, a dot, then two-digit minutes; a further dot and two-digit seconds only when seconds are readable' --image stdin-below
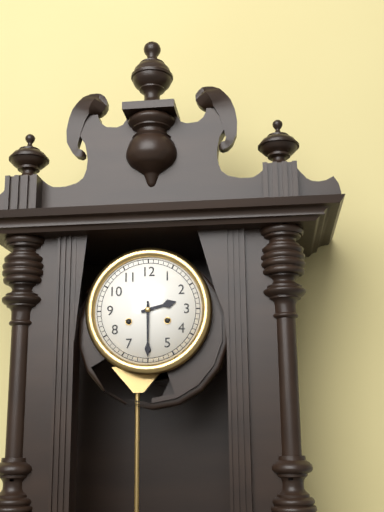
2.30
